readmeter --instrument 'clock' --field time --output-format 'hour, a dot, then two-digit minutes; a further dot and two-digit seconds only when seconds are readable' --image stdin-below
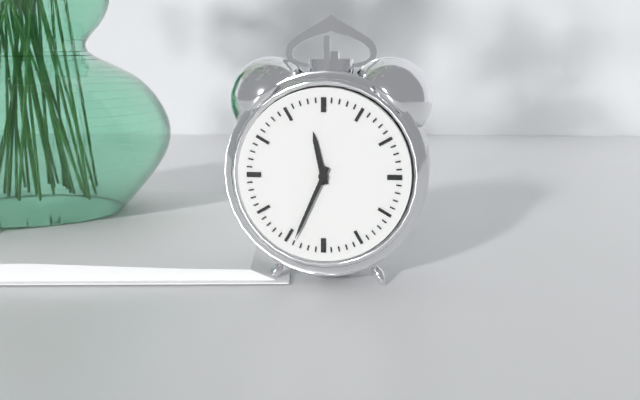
11.34
